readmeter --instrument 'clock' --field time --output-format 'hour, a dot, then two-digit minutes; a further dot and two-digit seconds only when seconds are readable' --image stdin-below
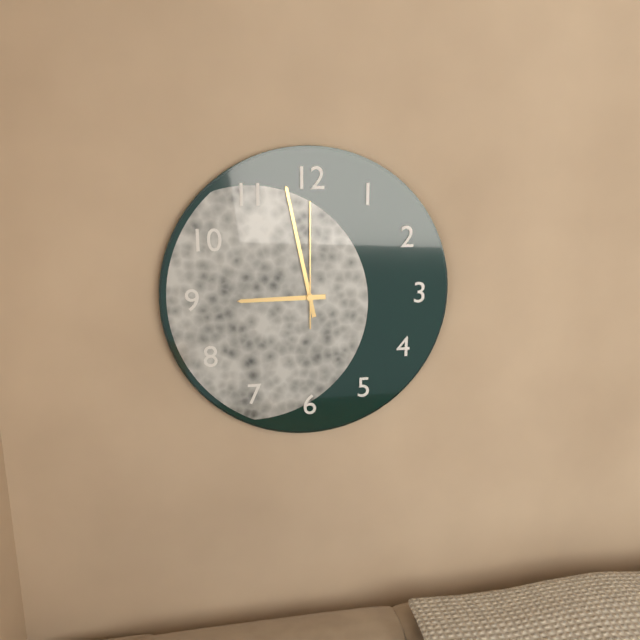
8.58.00
